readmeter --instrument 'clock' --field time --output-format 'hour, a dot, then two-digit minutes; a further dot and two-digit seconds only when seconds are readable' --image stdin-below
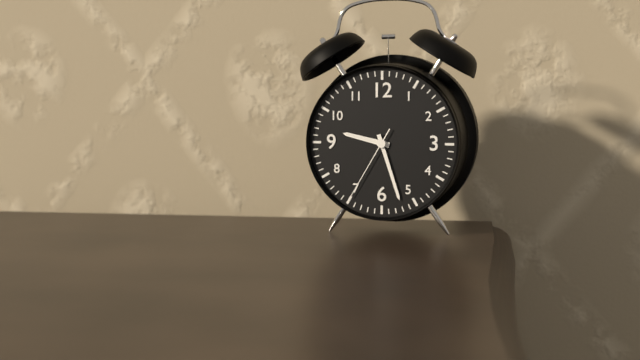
9.27.35
